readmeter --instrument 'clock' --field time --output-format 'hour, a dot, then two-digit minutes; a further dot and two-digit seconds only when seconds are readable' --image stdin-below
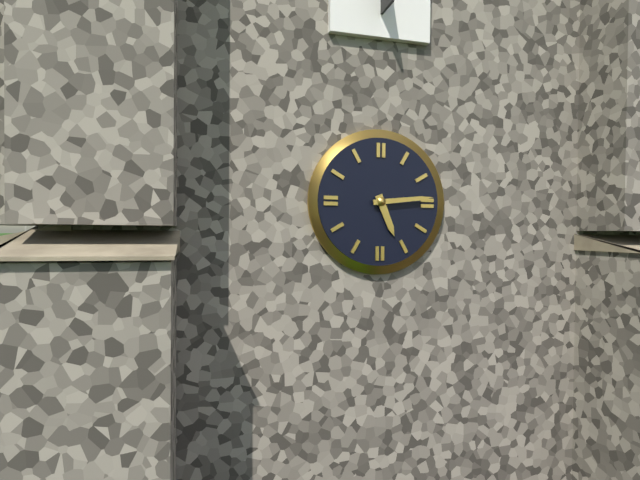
5.14
